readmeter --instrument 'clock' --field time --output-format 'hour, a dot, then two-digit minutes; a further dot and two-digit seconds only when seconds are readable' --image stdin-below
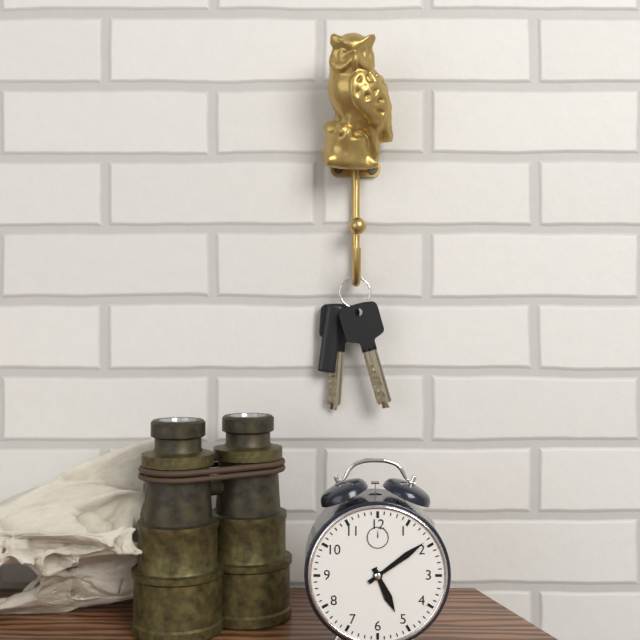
5.09
